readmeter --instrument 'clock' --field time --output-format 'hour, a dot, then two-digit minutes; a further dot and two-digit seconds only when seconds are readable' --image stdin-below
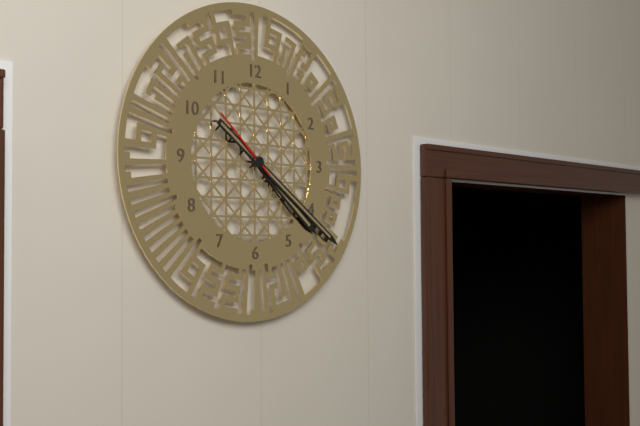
4.21.52
